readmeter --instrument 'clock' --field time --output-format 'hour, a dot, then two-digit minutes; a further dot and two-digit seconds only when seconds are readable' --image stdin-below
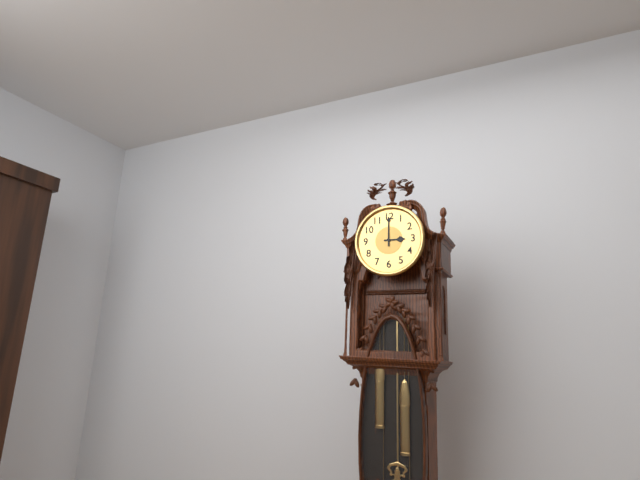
3.00
